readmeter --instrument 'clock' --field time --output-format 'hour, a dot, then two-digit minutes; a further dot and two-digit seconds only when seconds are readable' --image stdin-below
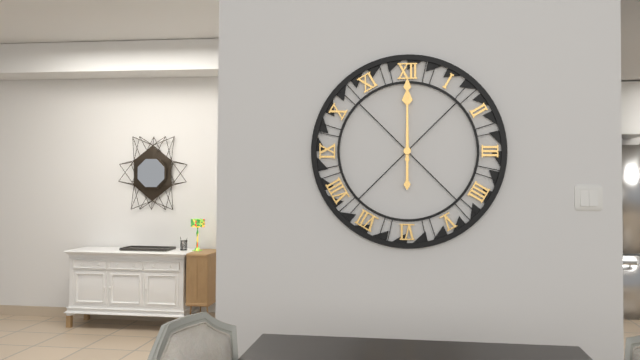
12.00
